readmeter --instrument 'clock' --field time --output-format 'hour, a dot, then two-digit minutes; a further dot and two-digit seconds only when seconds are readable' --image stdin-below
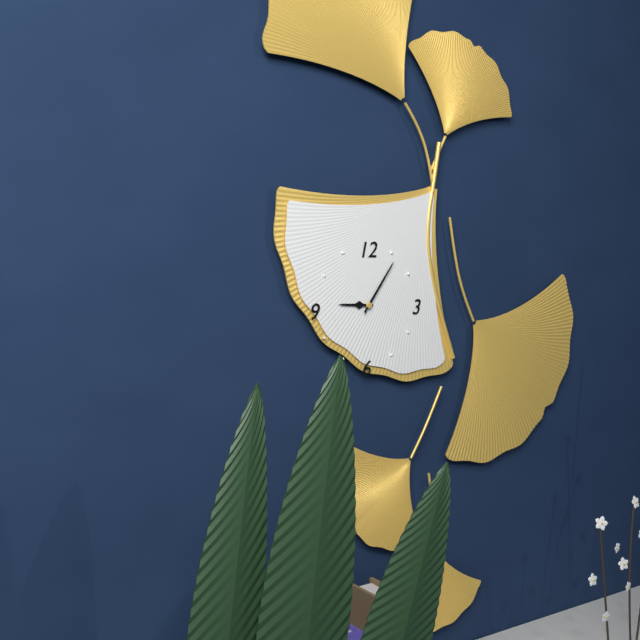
9.06
